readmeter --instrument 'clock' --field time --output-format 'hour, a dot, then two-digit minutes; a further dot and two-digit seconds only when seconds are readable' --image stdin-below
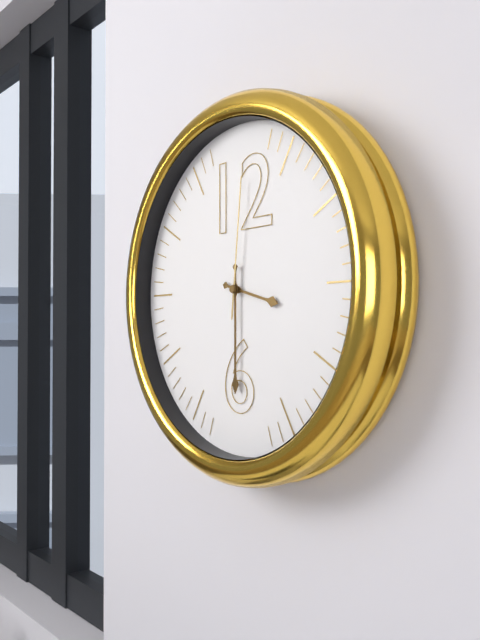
3.30.01
